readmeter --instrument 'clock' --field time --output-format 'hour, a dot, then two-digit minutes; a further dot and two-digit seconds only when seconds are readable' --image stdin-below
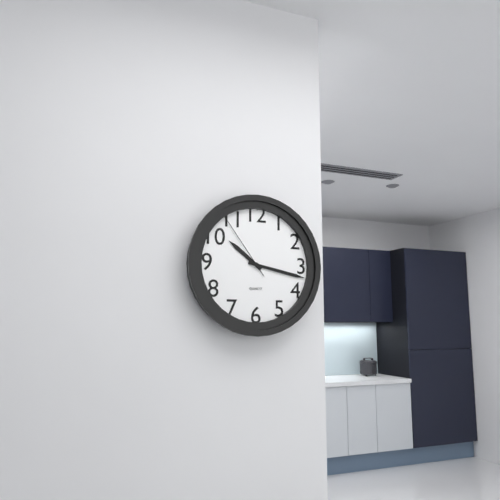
10.17.54
